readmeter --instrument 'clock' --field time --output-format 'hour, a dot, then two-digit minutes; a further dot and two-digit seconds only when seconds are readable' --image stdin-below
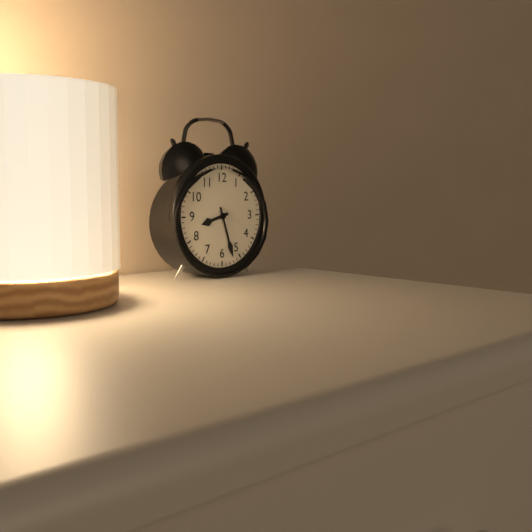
8.27
